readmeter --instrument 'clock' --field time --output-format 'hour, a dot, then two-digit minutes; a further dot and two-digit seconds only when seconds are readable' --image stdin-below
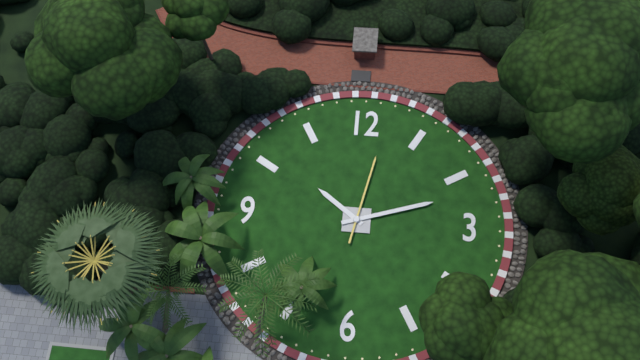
10.12.02
